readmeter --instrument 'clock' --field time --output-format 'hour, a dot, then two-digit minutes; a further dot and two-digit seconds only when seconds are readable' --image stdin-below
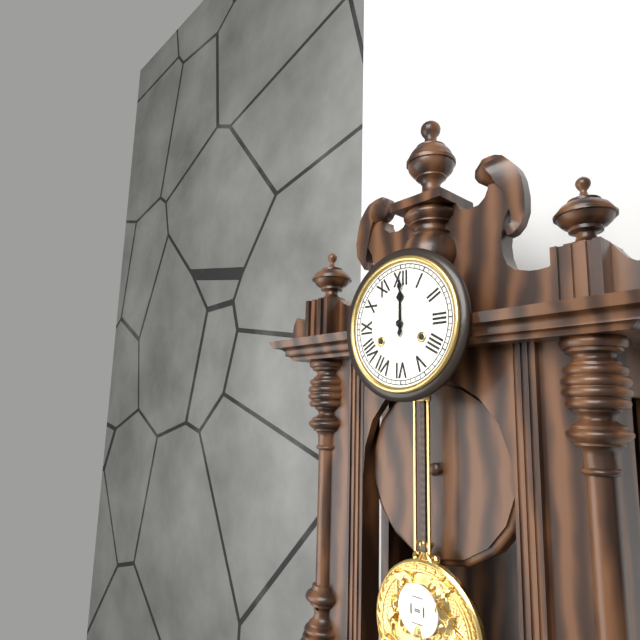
12.00
